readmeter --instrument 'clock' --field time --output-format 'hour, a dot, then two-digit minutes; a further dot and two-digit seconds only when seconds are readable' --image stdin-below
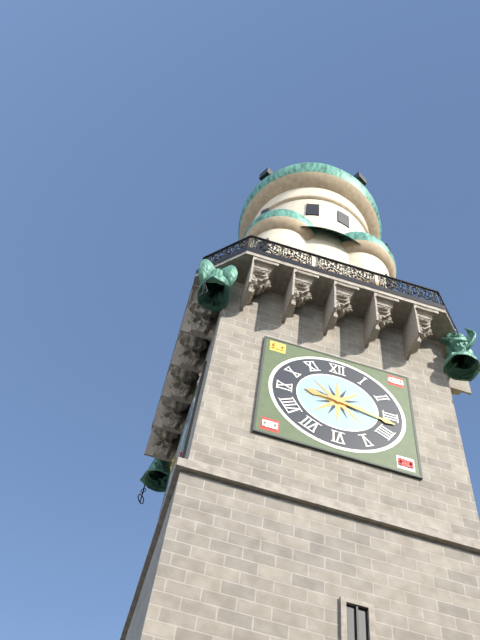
9.17
